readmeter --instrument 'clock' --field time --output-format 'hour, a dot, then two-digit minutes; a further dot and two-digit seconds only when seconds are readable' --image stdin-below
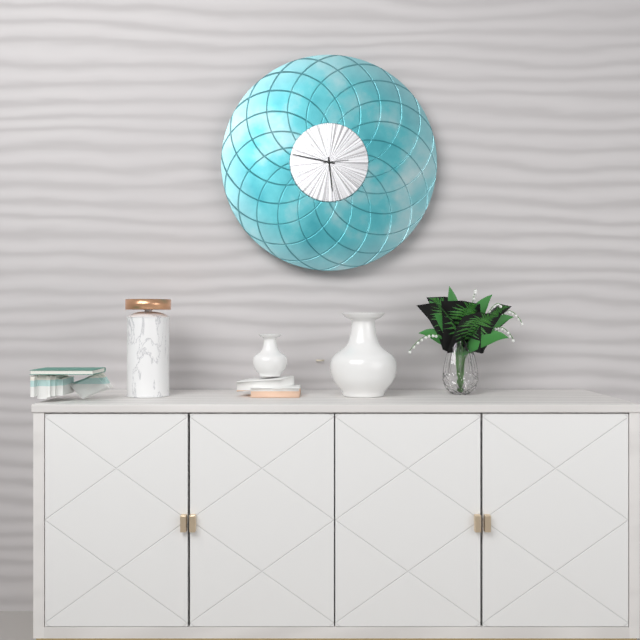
5.47
